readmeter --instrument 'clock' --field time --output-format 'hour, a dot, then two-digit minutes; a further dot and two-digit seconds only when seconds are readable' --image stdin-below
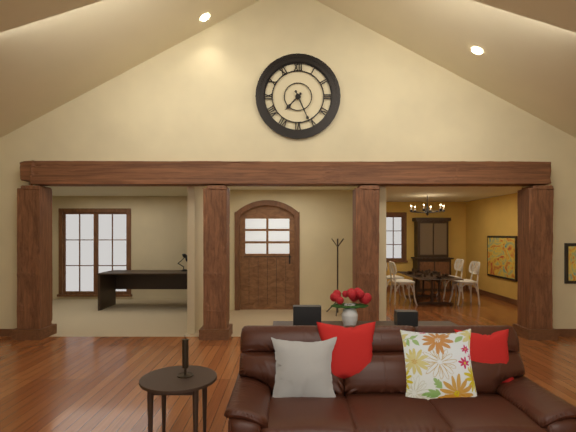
7.26
